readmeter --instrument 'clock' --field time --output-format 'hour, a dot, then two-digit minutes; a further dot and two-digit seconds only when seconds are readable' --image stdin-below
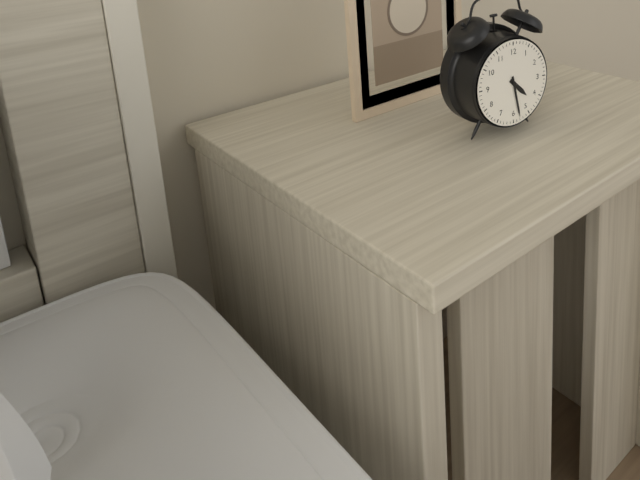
4.28
